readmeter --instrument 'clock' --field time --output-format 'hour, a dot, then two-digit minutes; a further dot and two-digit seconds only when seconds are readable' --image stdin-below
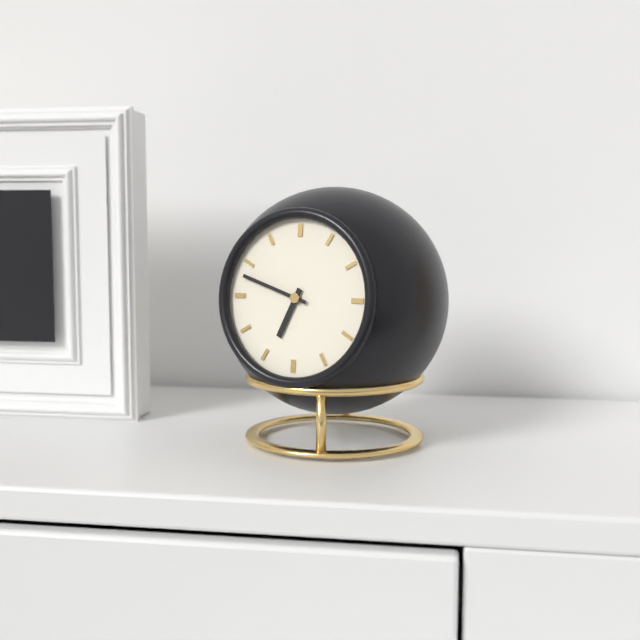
6.48
